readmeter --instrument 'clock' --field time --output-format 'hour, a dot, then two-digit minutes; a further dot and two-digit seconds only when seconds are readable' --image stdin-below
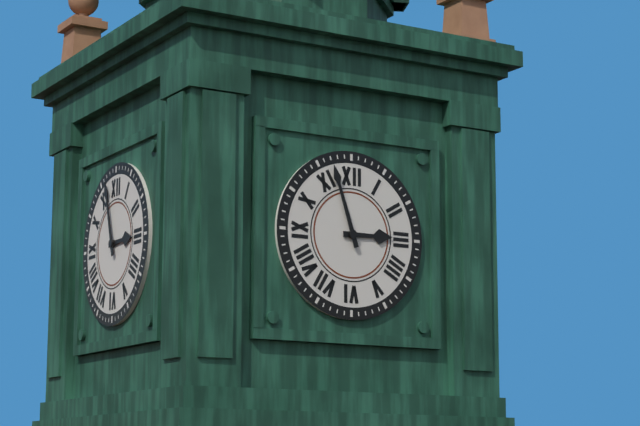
2.57
